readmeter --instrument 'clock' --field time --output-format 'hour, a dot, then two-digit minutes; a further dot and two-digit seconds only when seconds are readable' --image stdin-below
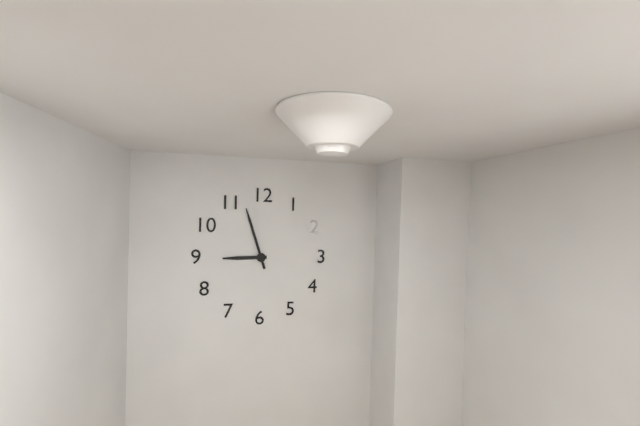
8.57
